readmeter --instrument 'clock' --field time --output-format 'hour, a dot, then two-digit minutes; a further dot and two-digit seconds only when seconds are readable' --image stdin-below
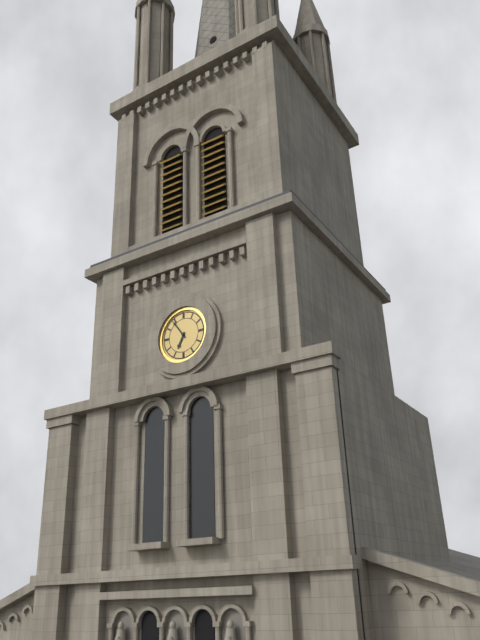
6.54
